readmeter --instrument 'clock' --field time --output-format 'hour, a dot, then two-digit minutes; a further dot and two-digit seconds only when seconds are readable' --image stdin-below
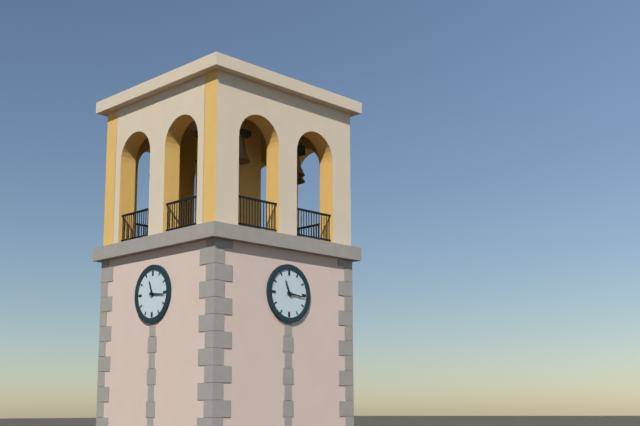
11.16
